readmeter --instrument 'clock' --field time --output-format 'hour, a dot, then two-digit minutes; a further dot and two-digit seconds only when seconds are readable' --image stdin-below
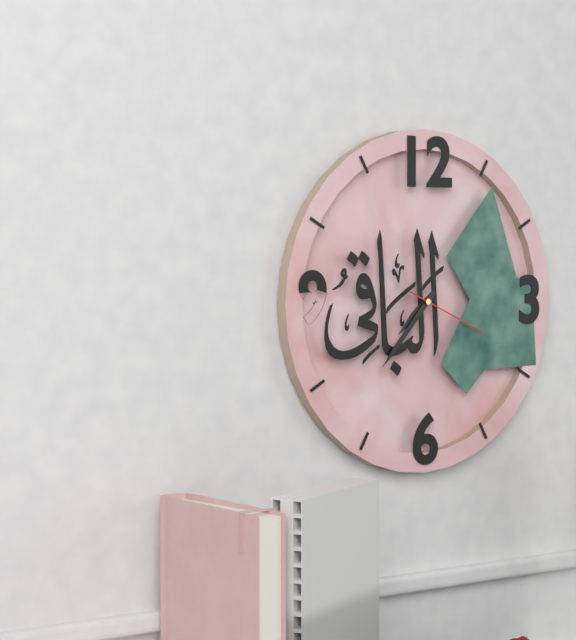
7.37.19
